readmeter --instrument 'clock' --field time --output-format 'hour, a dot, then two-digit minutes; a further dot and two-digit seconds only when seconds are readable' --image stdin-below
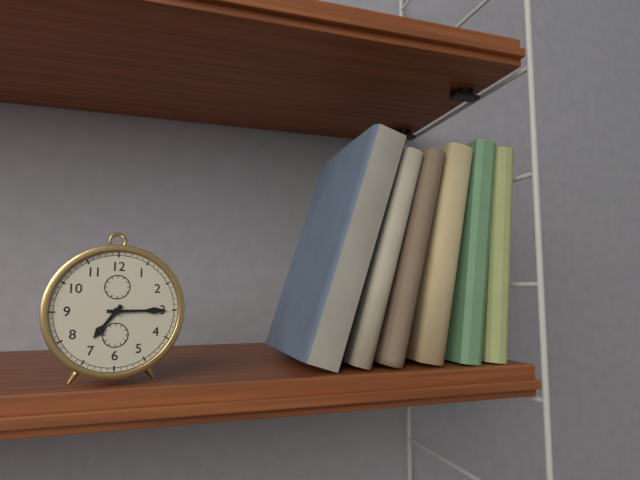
7.15
